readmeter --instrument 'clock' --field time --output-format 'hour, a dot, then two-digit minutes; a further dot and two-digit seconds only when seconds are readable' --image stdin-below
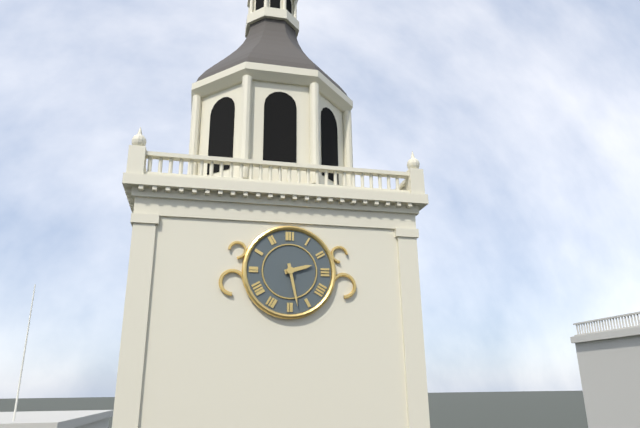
2.28
